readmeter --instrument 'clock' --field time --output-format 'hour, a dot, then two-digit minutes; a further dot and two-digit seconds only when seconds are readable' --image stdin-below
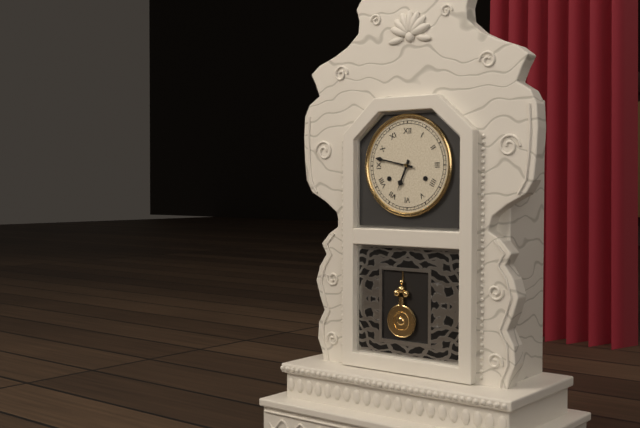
6.47
